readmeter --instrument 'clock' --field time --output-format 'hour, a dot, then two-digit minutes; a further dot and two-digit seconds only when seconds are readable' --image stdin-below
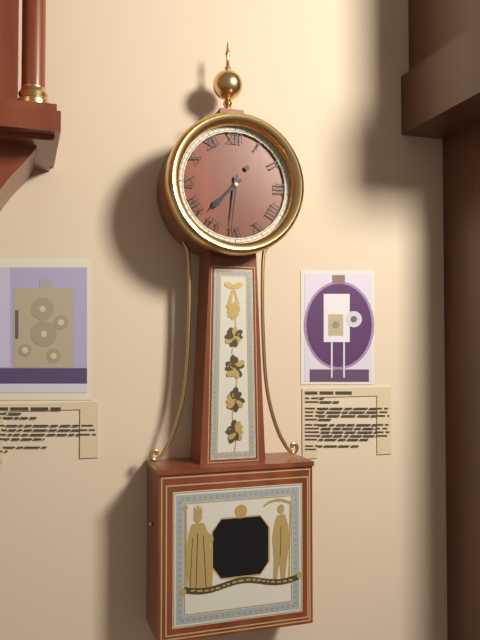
7.31
